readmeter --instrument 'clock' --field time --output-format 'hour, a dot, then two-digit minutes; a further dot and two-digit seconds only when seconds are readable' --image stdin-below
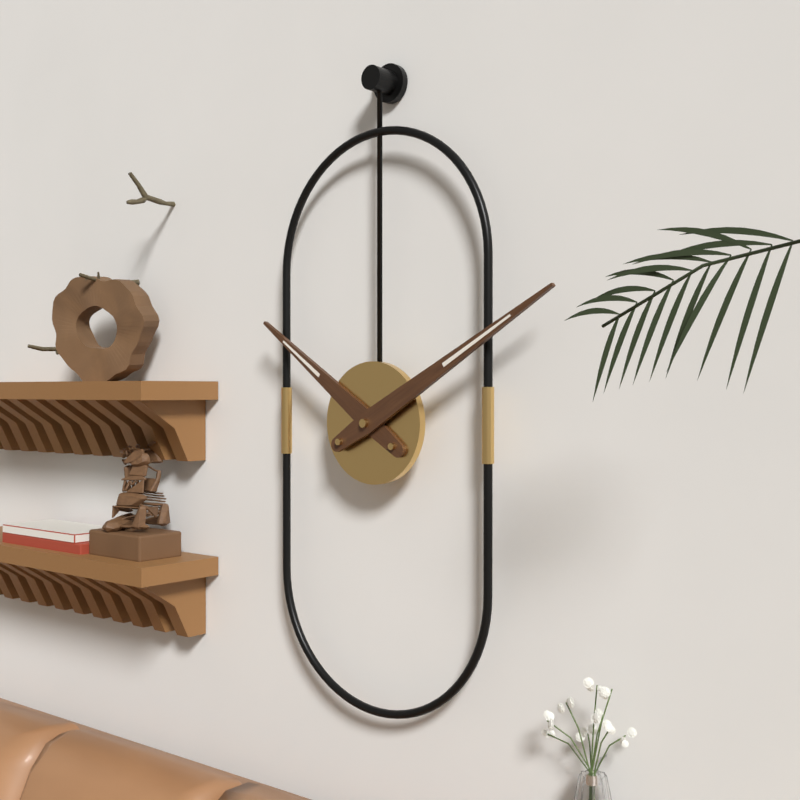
10.10
